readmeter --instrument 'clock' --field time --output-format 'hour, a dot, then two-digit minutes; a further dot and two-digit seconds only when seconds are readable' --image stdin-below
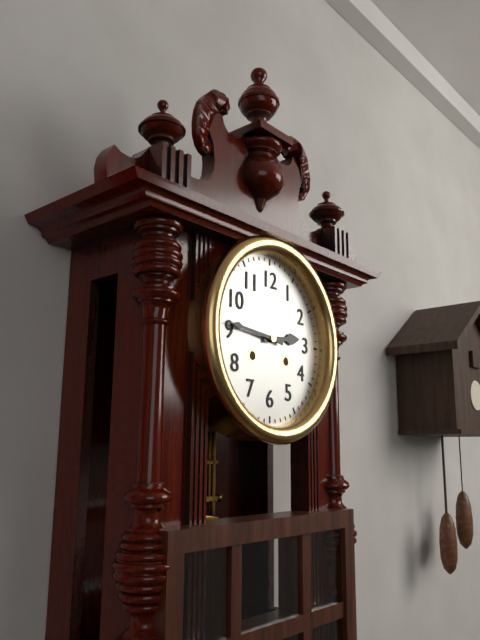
2.46
